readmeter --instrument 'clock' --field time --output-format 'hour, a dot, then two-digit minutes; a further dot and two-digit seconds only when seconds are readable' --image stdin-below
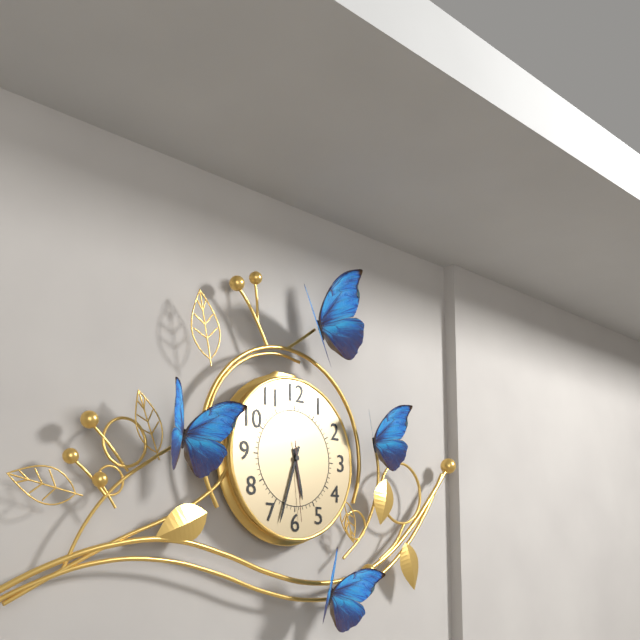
5.33.29
